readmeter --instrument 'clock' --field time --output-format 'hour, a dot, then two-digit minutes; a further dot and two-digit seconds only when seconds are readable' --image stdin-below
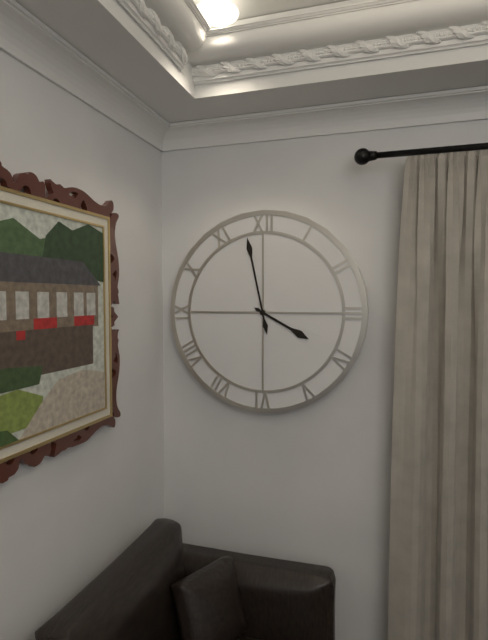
3.58
